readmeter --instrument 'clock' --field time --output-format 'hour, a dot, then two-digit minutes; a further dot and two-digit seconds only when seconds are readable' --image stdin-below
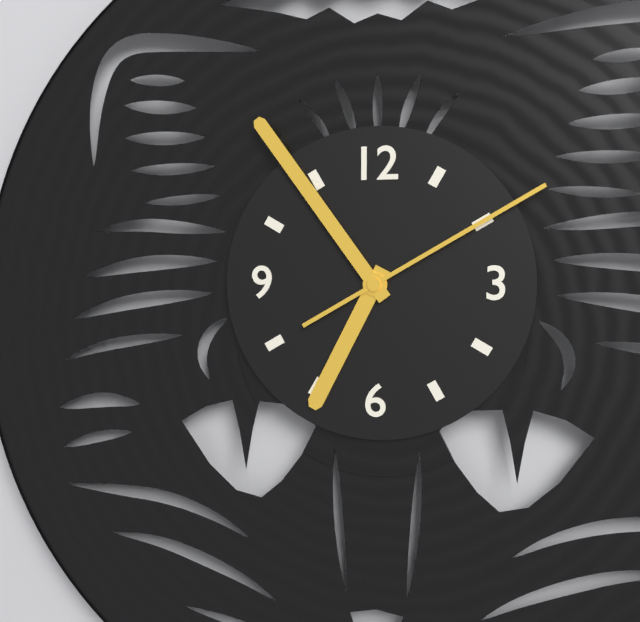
6.54.10
